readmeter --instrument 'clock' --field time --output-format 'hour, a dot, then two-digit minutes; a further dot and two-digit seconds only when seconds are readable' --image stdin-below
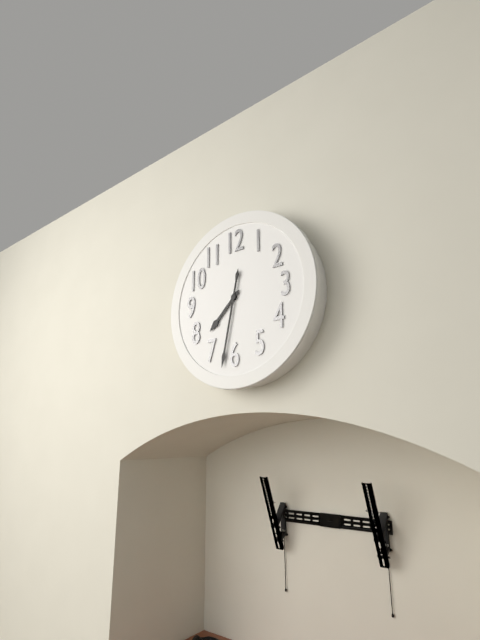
7.32
